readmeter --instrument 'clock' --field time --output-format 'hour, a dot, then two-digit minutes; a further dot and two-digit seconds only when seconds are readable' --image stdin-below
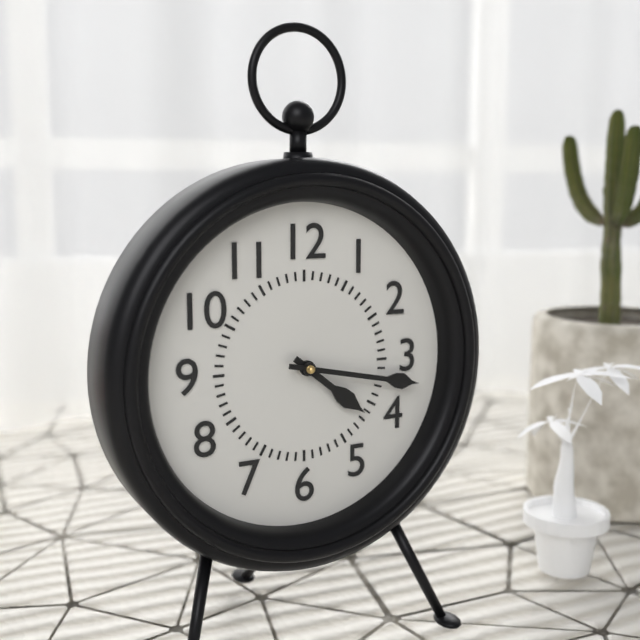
4.17
